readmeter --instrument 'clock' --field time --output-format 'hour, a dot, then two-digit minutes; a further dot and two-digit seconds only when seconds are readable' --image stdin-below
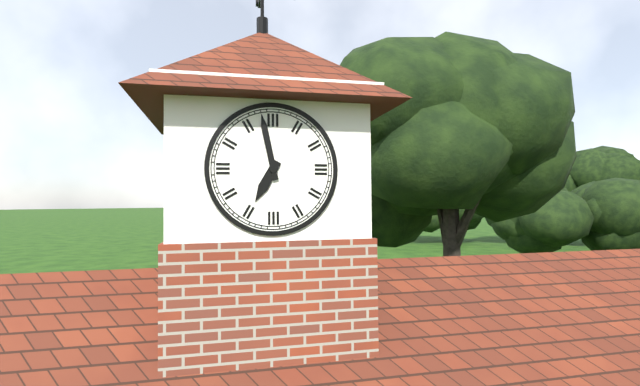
6.58
